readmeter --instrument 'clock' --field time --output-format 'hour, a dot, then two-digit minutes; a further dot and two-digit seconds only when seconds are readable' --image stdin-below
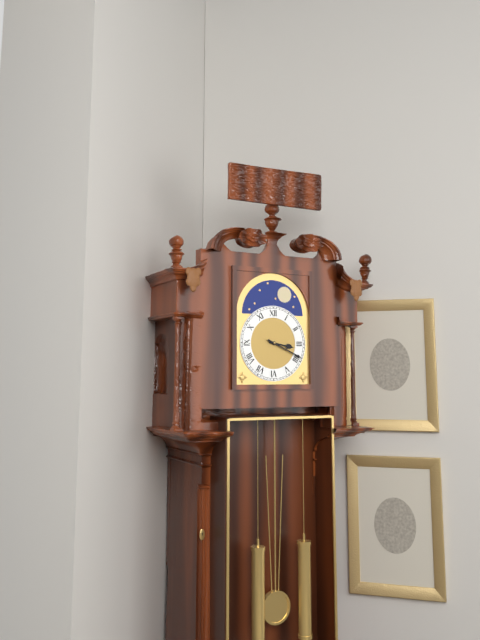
3.19
